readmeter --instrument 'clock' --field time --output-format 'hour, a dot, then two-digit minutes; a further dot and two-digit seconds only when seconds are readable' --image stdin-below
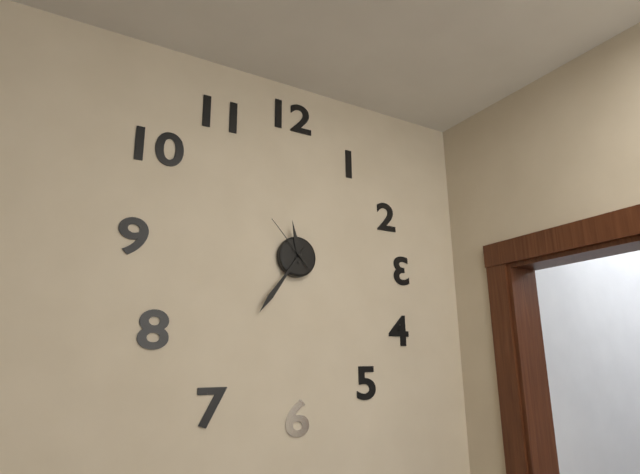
11.36.53
